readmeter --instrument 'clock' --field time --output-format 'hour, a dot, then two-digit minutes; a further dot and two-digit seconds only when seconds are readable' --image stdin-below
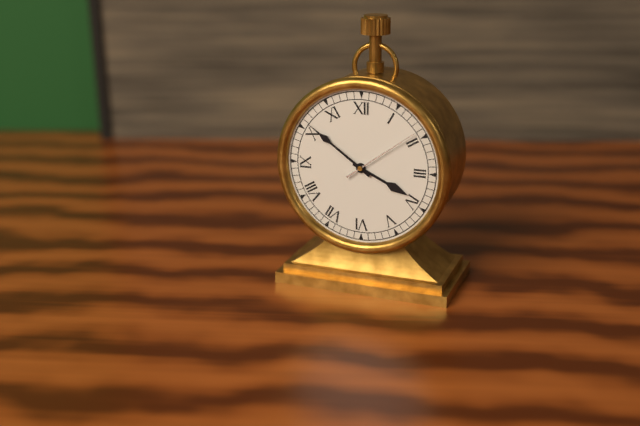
3.51.09
